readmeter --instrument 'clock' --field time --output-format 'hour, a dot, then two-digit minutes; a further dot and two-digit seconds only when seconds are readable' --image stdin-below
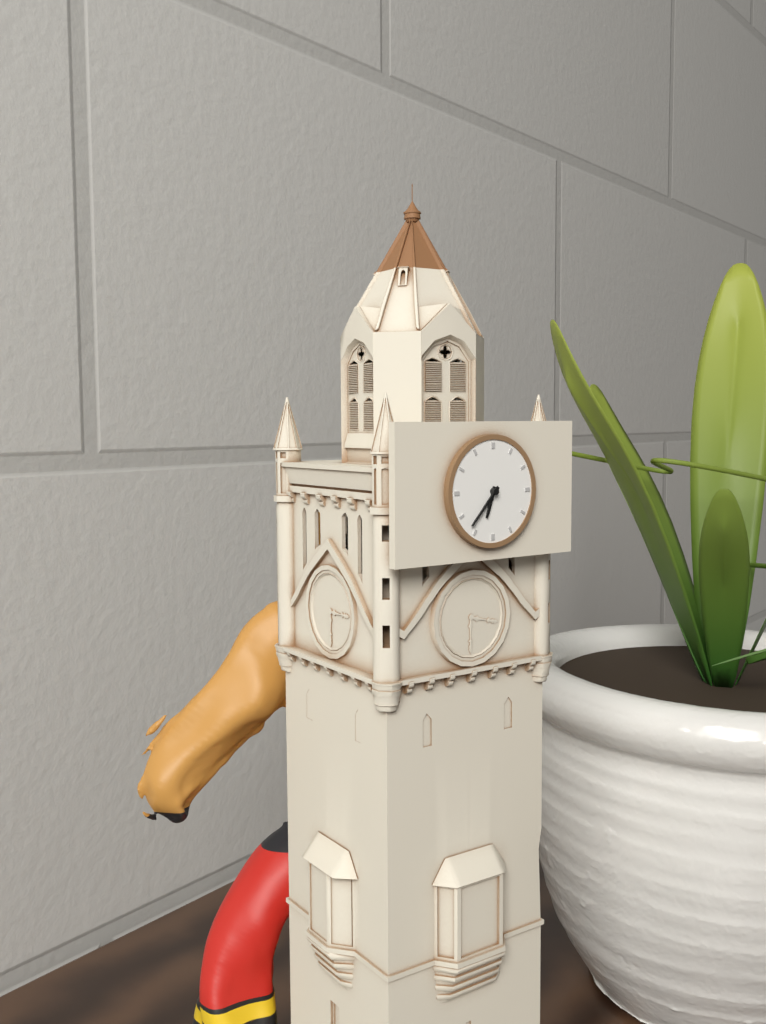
6.37
